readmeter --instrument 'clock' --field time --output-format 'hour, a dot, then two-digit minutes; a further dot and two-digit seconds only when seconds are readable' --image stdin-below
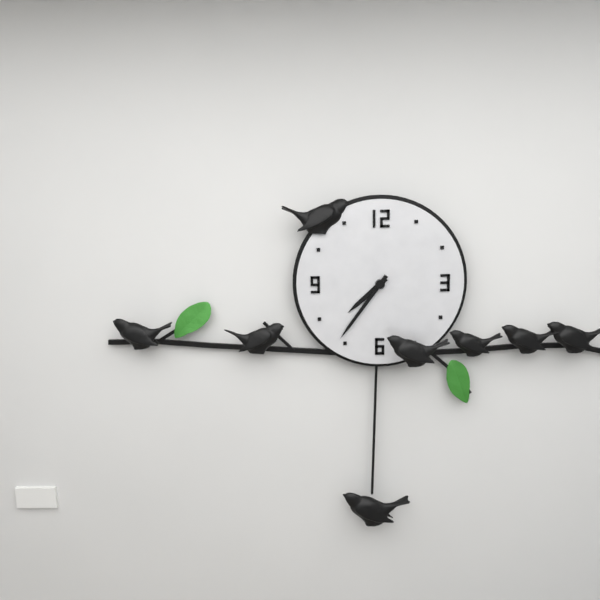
7.36
